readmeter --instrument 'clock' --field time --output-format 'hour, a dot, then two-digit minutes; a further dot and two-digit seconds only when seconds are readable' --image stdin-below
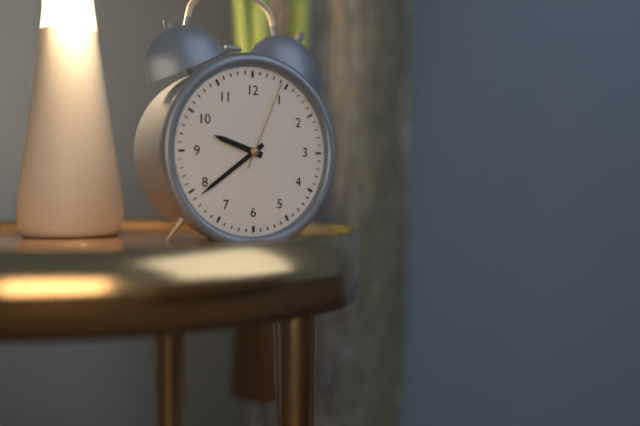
9.39.04
